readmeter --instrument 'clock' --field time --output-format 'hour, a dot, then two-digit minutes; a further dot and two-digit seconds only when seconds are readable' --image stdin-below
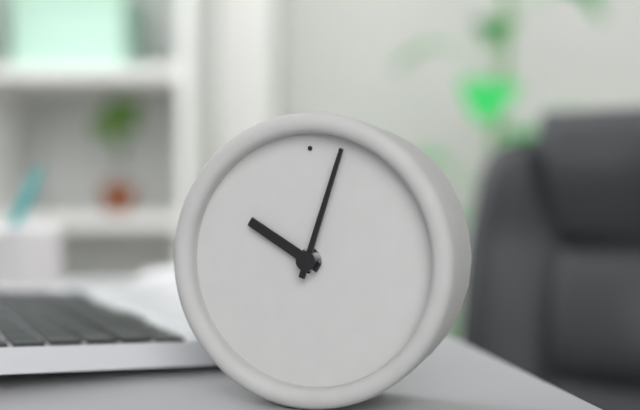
10.03
